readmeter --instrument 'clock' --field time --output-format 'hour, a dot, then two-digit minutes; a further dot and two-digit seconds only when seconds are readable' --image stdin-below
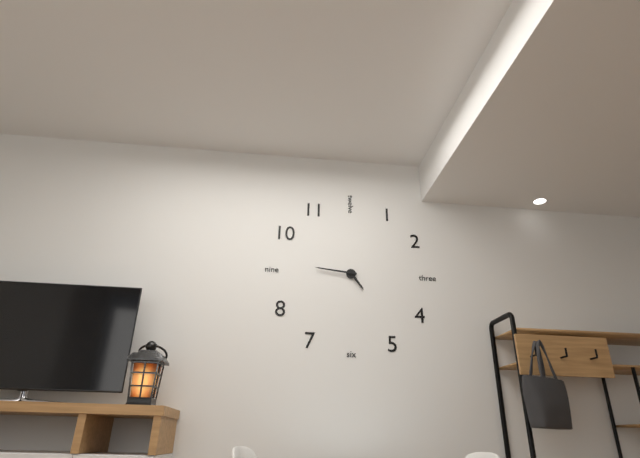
4.46
